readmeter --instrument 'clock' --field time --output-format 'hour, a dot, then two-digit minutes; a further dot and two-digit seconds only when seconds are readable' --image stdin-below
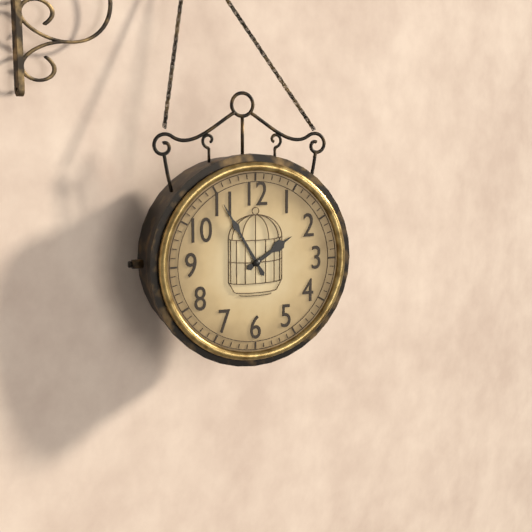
1.55
